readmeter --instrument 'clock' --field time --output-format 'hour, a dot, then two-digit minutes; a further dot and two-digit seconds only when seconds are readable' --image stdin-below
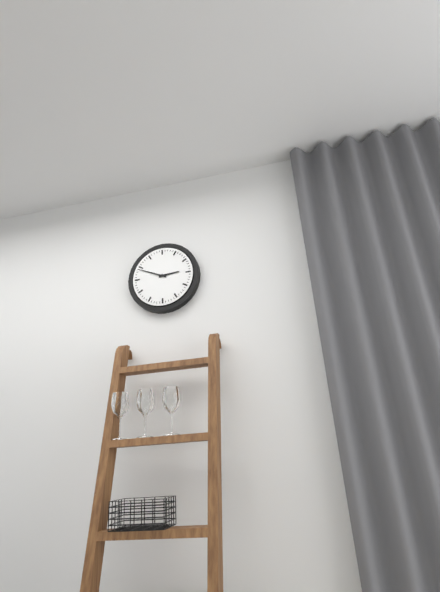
2.49
